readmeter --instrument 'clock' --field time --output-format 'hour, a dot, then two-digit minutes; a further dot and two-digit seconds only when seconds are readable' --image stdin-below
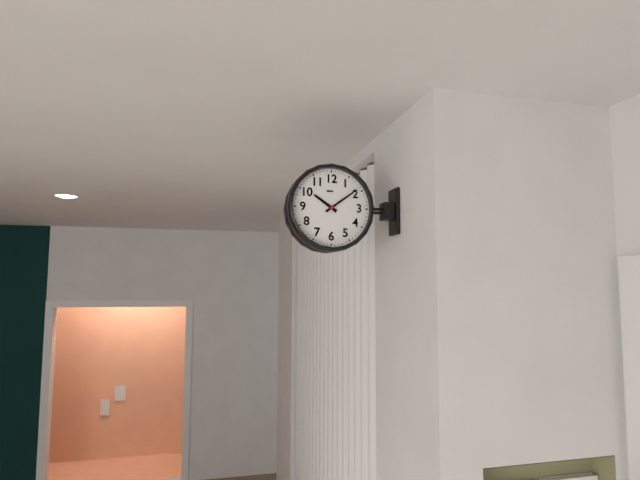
10.09
